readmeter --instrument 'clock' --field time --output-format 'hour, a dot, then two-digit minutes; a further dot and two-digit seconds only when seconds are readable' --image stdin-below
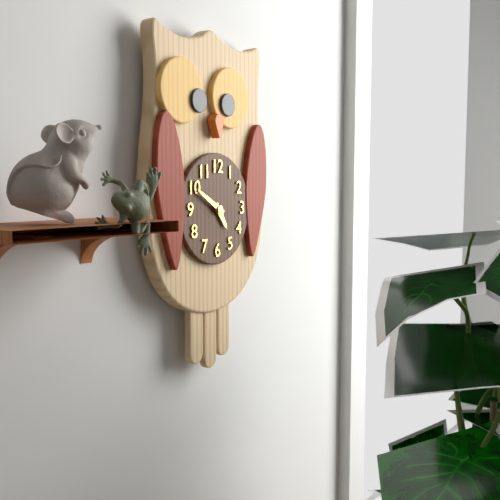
4.50
